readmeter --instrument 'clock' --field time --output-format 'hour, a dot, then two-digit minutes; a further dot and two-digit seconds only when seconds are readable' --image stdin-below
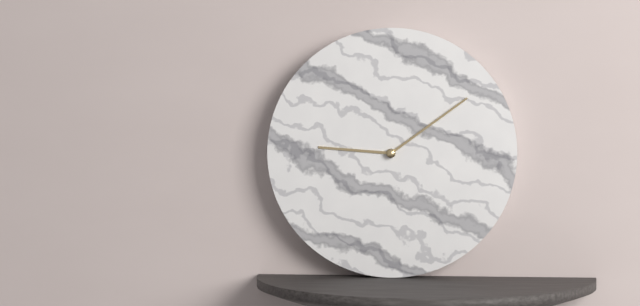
9.09
